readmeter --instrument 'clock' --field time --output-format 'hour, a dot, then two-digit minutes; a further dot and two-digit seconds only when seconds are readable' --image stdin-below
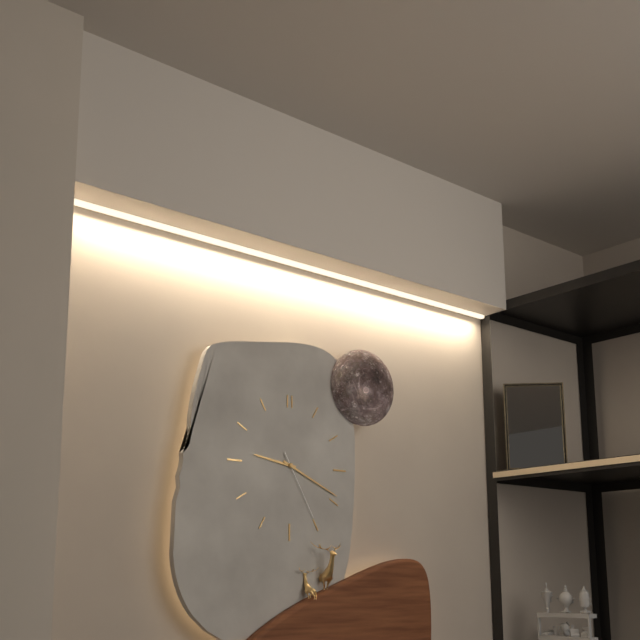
9.19.25
